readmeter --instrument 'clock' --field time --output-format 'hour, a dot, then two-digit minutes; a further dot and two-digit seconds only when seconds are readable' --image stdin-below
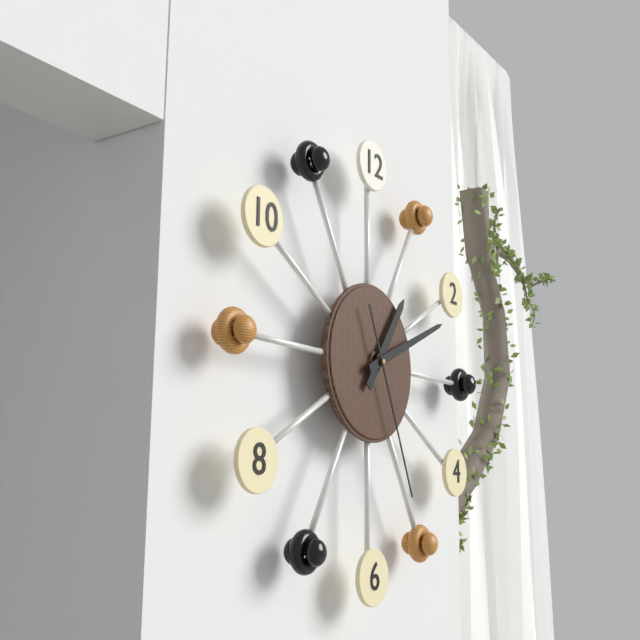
1.11.26
